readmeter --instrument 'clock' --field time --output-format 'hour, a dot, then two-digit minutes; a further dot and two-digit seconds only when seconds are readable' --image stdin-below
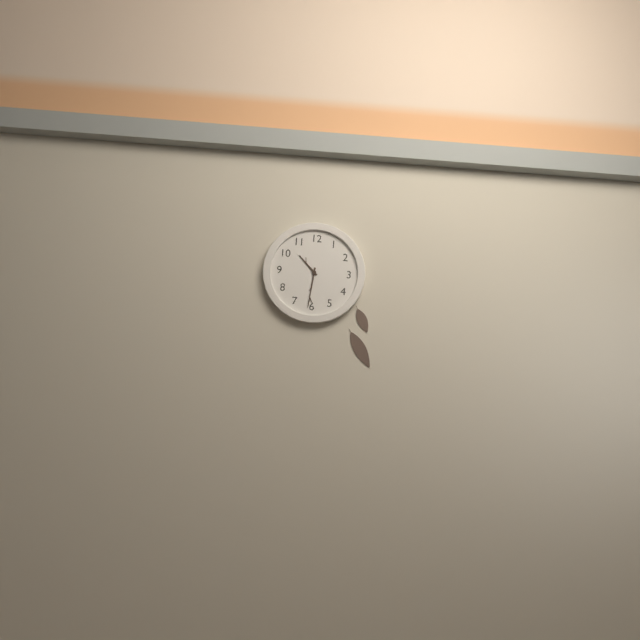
10.31
